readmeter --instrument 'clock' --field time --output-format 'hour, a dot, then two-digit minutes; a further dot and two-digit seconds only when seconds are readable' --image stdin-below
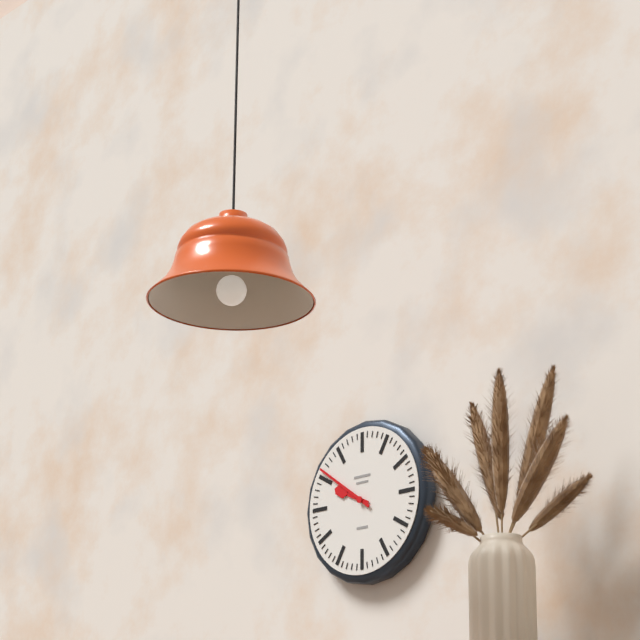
9.51
